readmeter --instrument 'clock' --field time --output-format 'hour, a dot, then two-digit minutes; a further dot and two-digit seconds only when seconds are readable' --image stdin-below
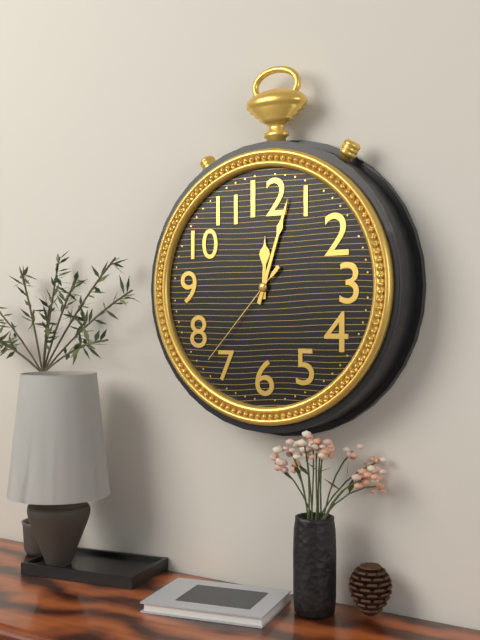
12.03.37
